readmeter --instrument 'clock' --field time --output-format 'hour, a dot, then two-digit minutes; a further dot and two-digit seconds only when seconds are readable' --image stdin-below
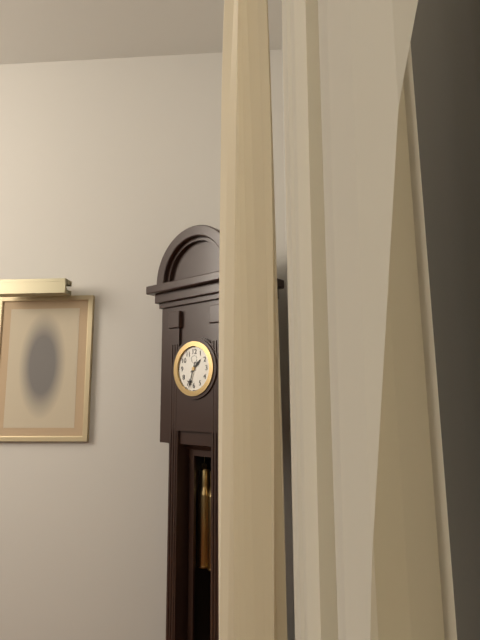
1.33
